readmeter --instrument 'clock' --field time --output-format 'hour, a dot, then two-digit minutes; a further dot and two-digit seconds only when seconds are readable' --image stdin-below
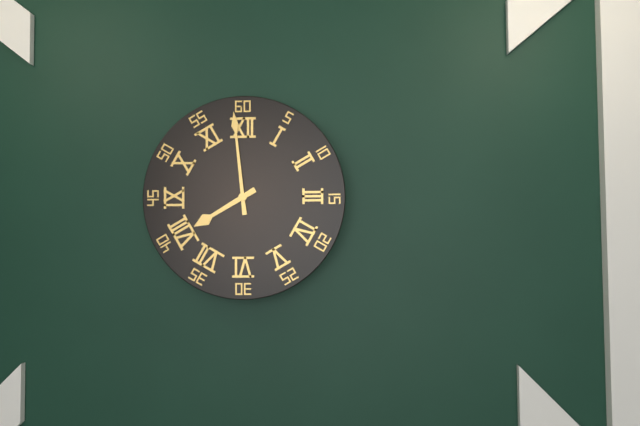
7.59
